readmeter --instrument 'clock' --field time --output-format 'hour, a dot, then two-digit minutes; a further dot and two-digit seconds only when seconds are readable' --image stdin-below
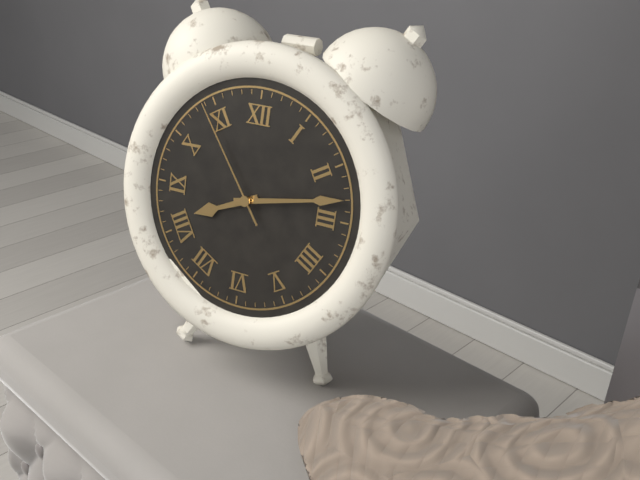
8.13.54
